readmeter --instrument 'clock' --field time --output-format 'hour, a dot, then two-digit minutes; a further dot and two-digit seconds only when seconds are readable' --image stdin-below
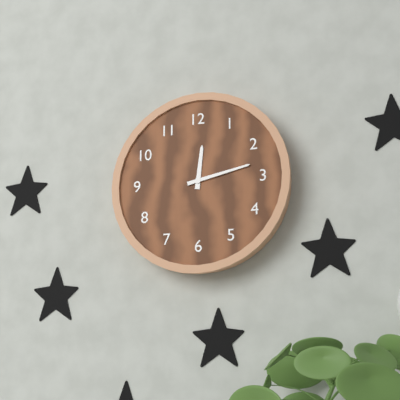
12.13
